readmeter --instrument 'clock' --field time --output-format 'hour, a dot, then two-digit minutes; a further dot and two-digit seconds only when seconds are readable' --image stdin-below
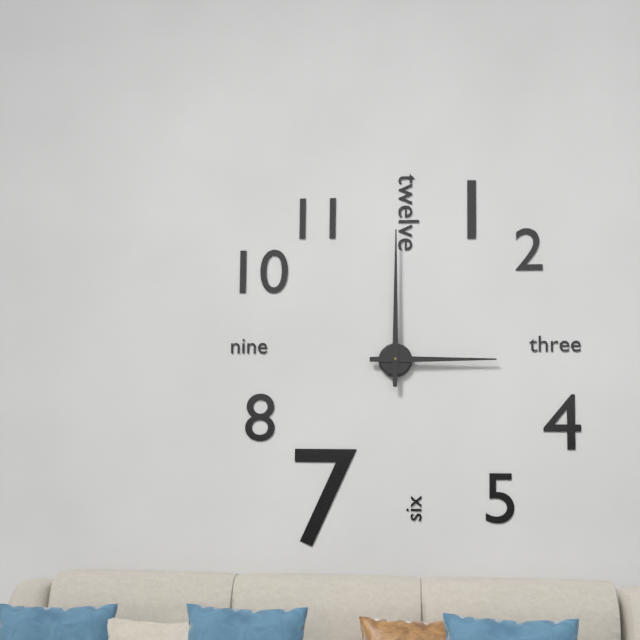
3.00
